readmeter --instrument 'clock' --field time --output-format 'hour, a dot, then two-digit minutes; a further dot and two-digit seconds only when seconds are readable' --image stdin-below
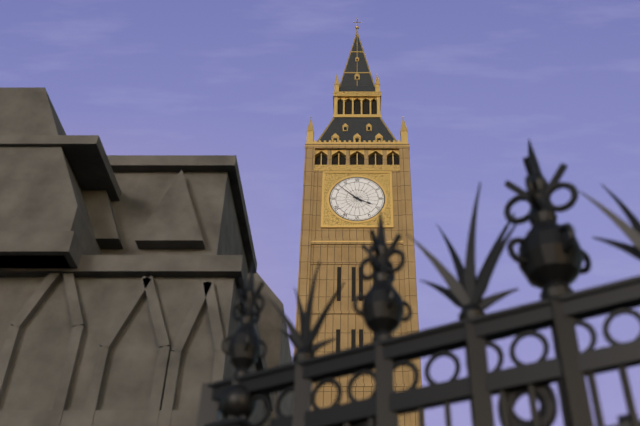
3.52
